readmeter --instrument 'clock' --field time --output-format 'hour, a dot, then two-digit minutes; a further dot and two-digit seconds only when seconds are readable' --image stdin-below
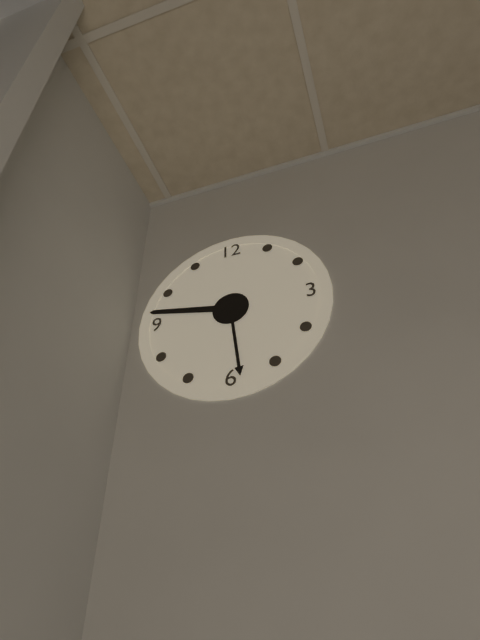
5.47
